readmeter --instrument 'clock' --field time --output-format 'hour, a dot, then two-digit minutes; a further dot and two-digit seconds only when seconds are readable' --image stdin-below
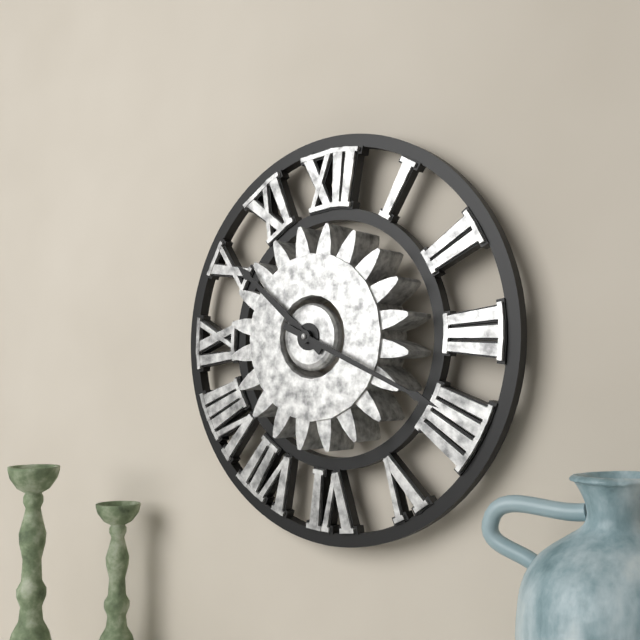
10.19
